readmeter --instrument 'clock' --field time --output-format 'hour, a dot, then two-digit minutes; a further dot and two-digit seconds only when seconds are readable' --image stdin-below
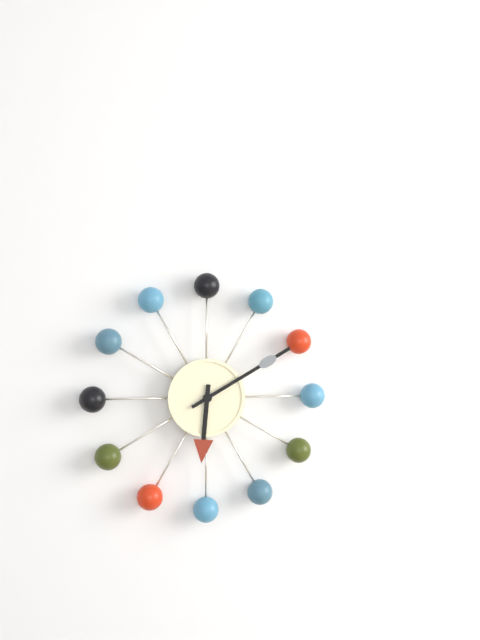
6.10
